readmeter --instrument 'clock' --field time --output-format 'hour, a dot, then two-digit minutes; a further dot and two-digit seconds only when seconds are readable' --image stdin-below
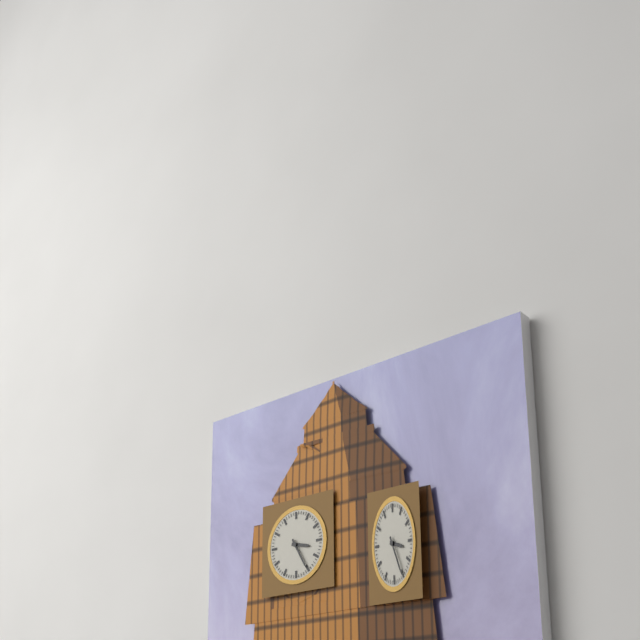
3.25
